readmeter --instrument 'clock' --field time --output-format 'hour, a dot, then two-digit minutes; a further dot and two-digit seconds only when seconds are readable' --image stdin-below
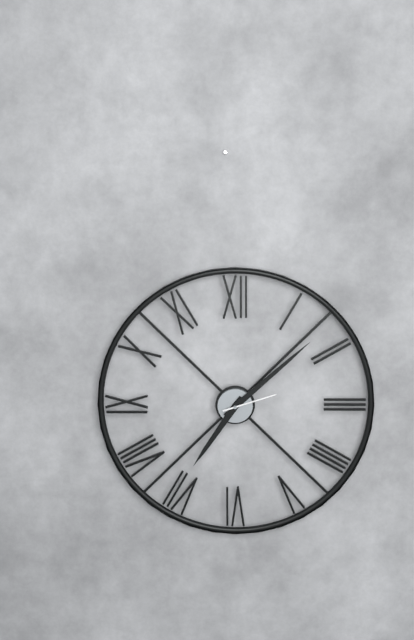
7.08.12
